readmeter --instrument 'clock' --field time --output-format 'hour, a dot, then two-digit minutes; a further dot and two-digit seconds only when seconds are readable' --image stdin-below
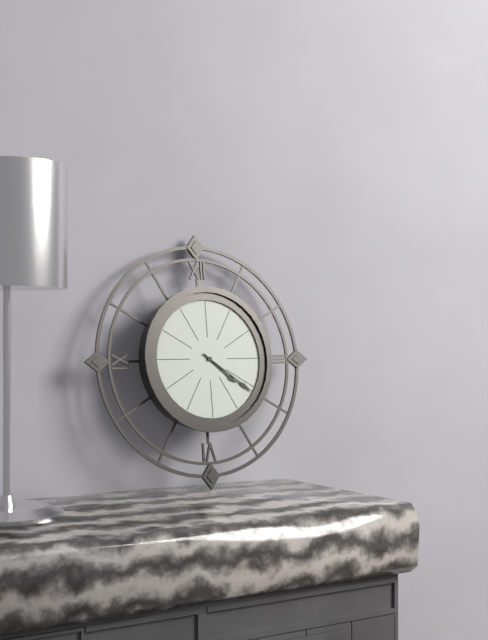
4.21
